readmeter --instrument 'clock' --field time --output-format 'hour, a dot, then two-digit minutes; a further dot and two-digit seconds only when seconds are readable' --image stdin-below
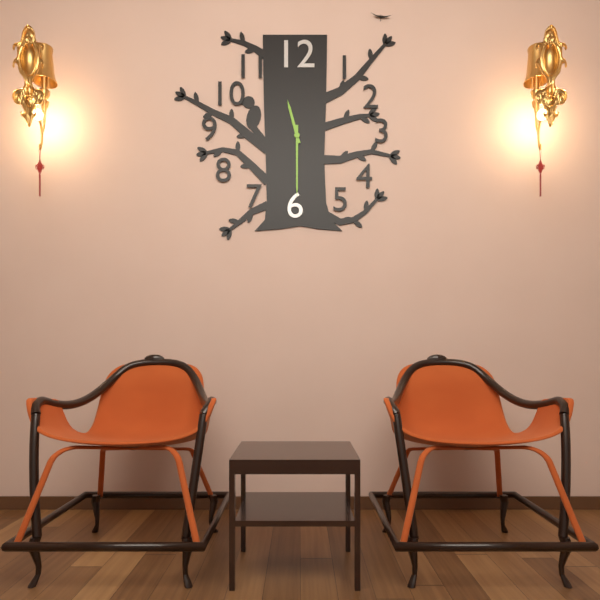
11.30
